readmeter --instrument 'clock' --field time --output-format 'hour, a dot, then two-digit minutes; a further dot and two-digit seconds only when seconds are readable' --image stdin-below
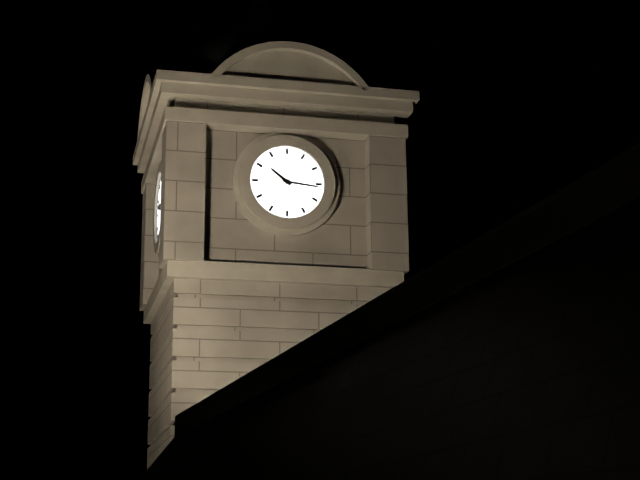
10.16
